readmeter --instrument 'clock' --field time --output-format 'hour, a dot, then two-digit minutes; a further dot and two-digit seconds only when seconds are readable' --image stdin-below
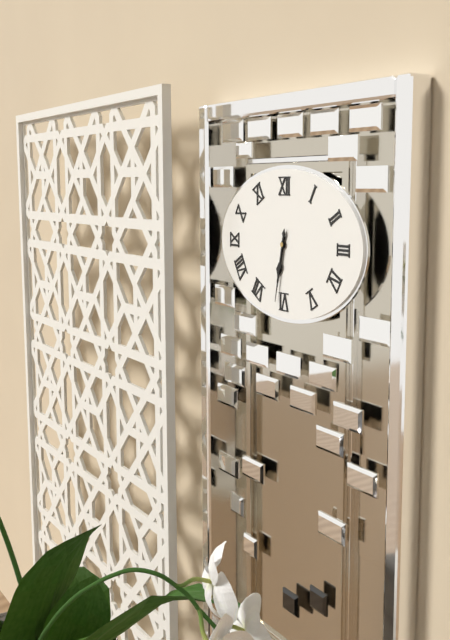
6.32
